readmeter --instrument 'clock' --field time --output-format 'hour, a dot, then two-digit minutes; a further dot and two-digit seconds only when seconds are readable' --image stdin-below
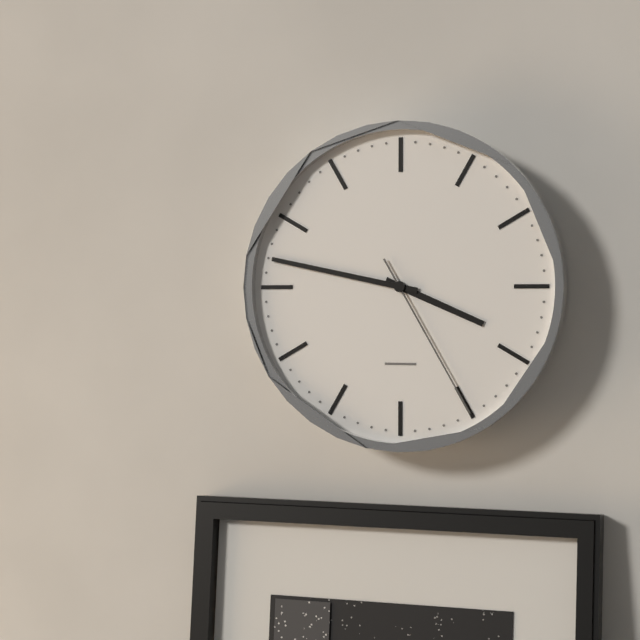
3.47.25
